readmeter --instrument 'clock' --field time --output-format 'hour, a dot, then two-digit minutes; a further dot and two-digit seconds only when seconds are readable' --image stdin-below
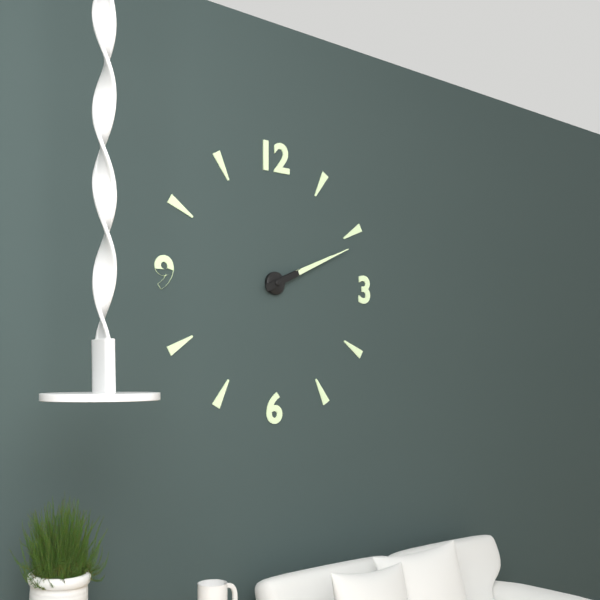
2.11
